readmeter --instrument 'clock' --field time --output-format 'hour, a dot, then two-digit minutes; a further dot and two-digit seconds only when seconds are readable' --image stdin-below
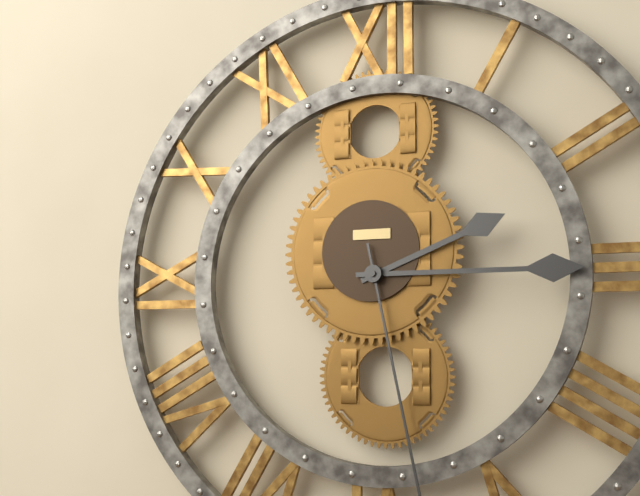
2.15
